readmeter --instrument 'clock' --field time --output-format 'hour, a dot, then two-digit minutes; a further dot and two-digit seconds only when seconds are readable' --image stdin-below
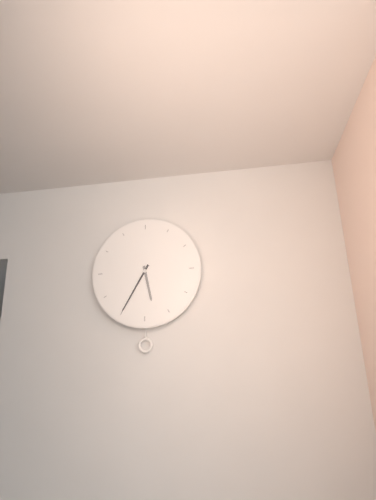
5.35
